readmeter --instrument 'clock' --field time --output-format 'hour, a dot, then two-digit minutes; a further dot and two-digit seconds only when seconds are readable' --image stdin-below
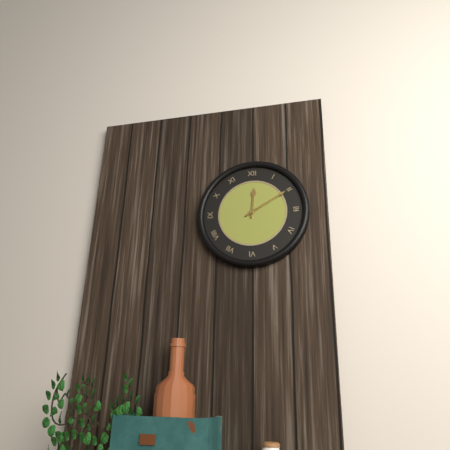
12.10
